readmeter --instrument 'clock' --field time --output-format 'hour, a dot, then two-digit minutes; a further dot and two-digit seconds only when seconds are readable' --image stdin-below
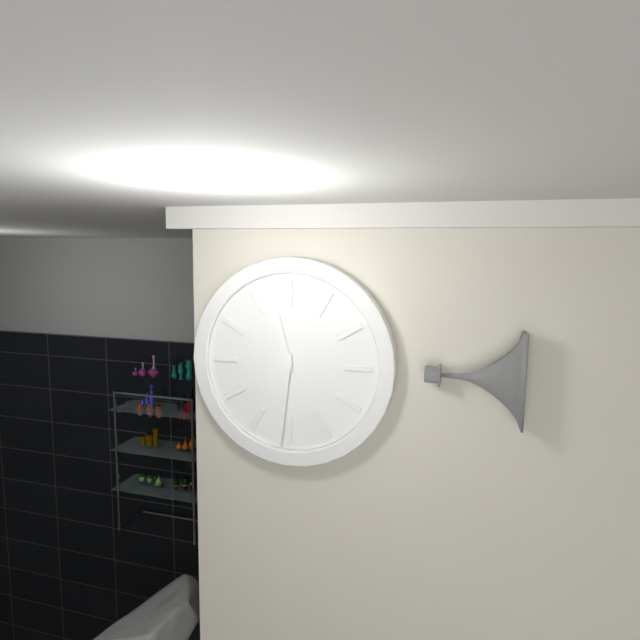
11.31
